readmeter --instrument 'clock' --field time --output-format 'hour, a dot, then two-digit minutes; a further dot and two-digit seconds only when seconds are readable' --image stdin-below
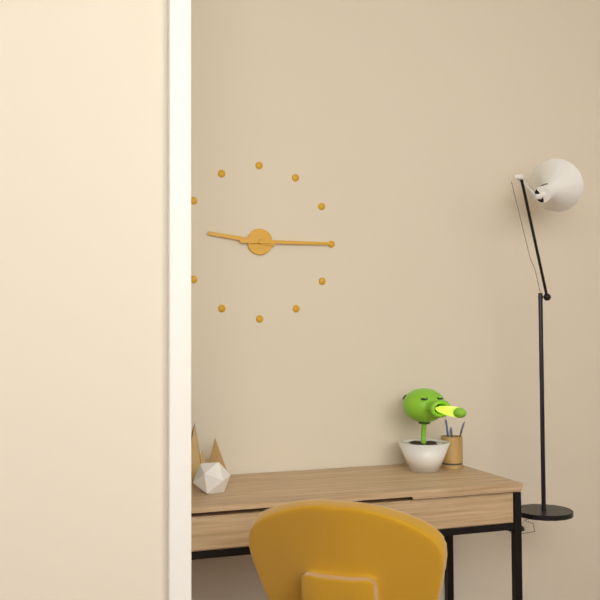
9.15
